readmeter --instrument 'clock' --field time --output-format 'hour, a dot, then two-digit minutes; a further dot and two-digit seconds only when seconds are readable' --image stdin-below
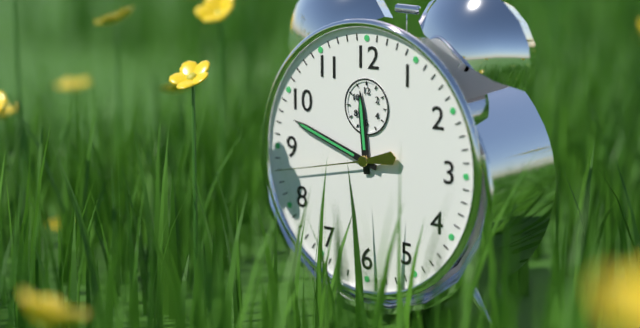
11.48.43
